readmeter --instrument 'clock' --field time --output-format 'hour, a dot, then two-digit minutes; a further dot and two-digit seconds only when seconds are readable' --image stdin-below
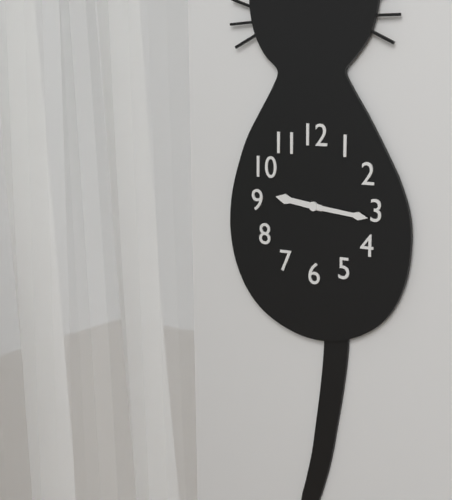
9.16
